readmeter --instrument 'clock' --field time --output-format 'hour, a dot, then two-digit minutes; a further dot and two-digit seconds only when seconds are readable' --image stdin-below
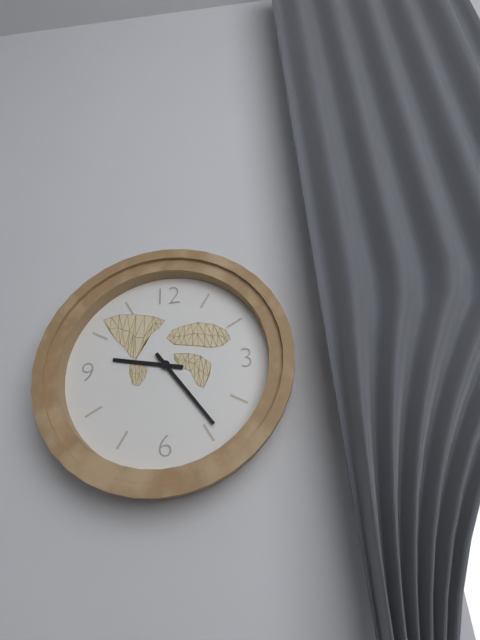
9.24
